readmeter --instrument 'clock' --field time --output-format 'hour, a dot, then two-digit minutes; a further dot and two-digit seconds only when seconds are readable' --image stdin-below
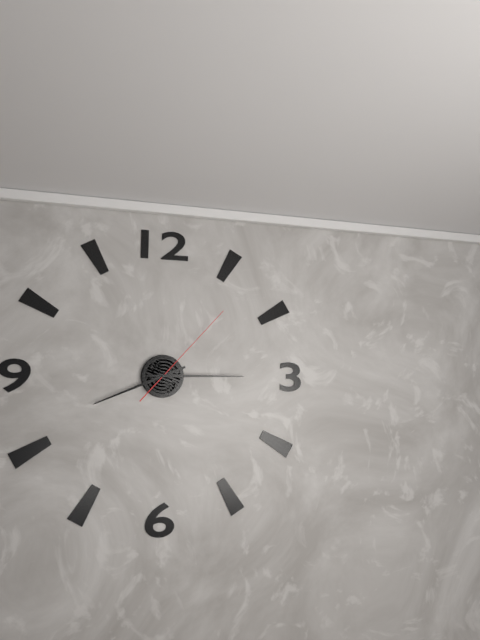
8.15.07
